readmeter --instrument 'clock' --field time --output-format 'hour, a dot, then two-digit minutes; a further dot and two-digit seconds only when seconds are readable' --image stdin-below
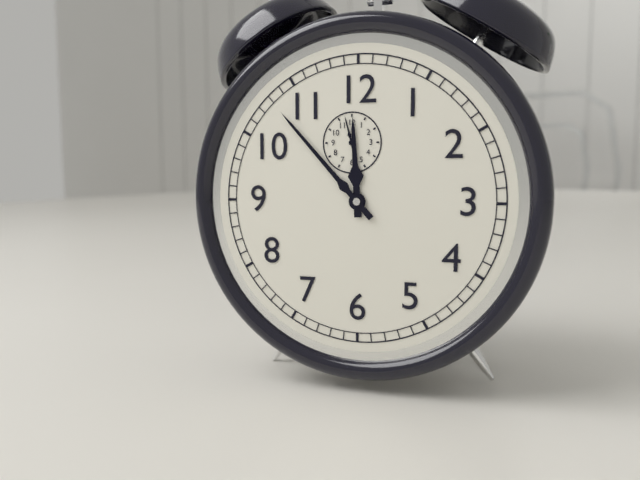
11.53
